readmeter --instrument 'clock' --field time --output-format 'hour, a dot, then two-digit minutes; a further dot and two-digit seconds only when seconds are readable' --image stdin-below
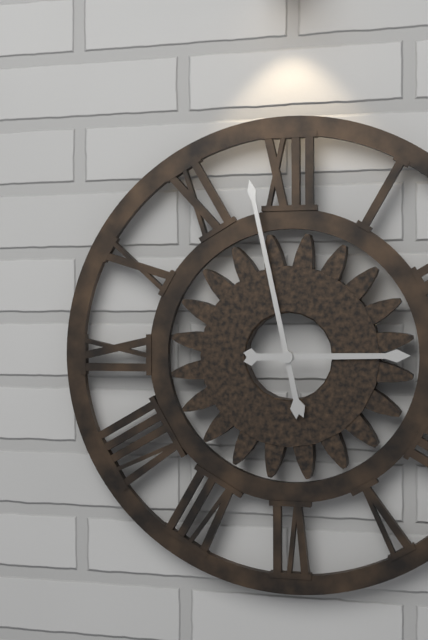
2.58
